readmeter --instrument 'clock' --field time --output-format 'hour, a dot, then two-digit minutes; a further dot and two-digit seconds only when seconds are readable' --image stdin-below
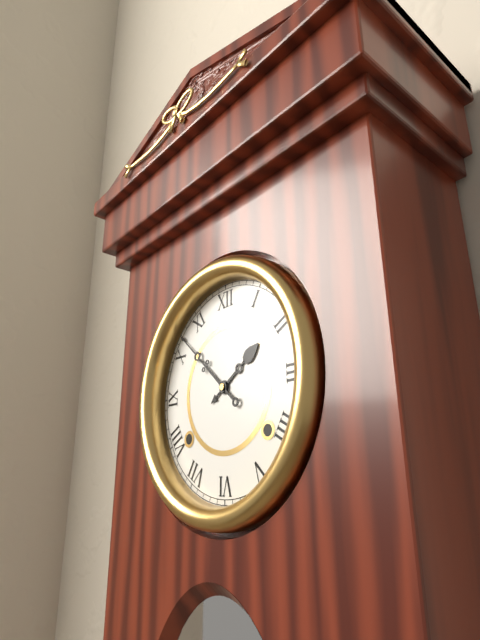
1.52
